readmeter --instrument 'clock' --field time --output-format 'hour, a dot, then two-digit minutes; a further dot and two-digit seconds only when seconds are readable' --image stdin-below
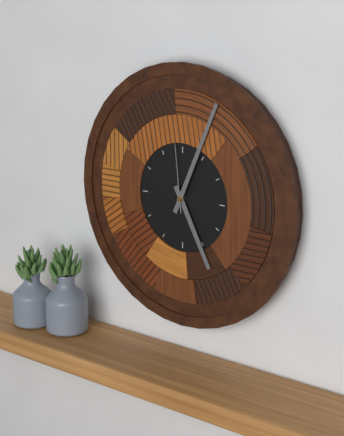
5.04.59
